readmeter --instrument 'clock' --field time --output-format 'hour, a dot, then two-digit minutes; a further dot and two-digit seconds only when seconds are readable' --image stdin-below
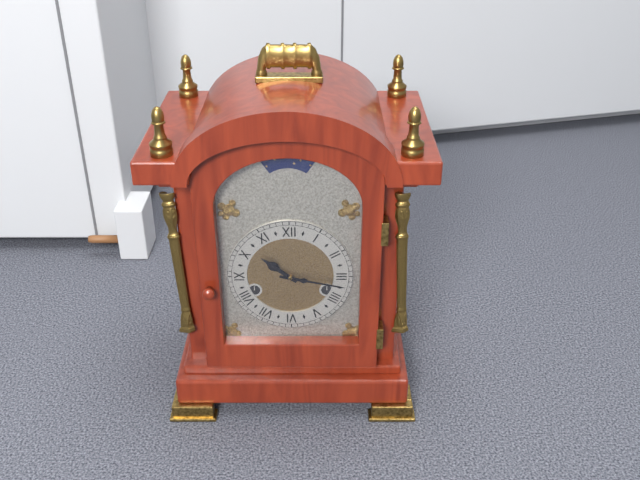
10.17
